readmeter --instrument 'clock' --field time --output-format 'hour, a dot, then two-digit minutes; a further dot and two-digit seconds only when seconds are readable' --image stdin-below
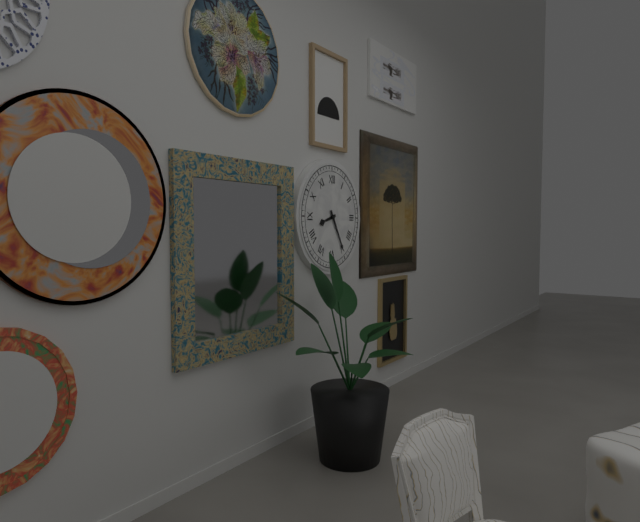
8.25
